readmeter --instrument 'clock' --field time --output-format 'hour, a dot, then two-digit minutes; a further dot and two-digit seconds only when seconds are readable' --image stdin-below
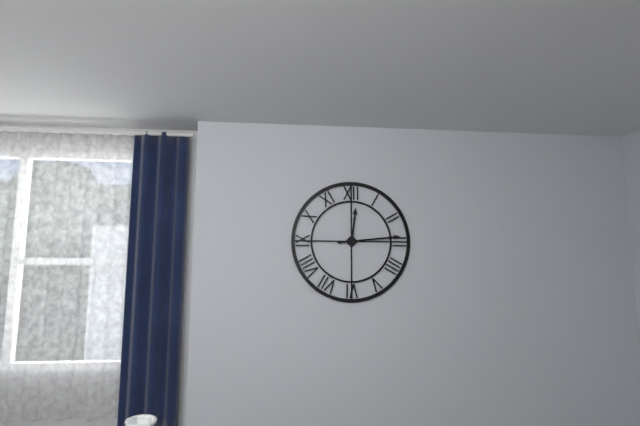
12.14
